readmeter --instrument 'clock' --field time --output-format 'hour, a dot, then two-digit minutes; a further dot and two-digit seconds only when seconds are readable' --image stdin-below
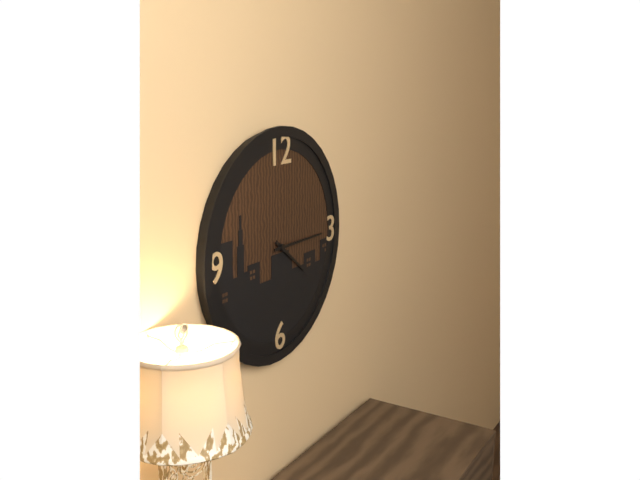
4.15
